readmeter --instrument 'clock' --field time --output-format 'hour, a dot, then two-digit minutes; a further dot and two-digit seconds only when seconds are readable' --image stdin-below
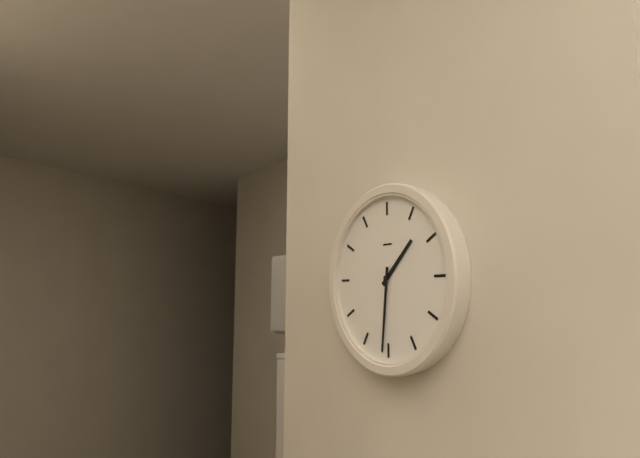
1.31
